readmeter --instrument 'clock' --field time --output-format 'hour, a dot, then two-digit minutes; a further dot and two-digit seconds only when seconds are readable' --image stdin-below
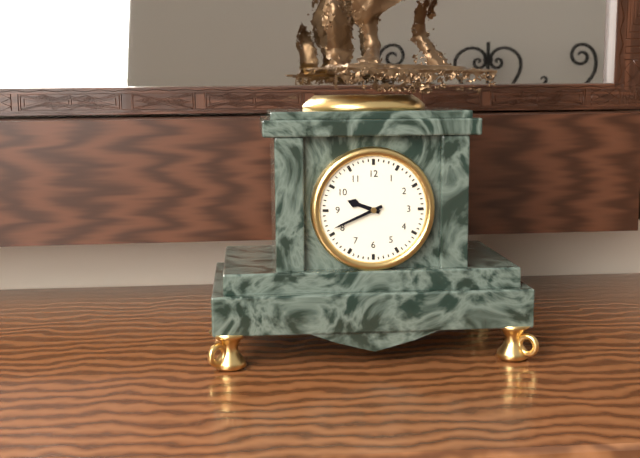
9.41
